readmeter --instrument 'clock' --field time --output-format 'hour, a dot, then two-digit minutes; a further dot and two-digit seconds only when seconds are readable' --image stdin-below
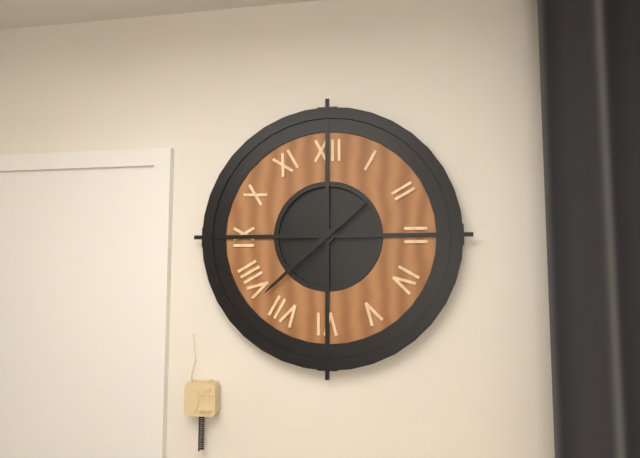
1.38
